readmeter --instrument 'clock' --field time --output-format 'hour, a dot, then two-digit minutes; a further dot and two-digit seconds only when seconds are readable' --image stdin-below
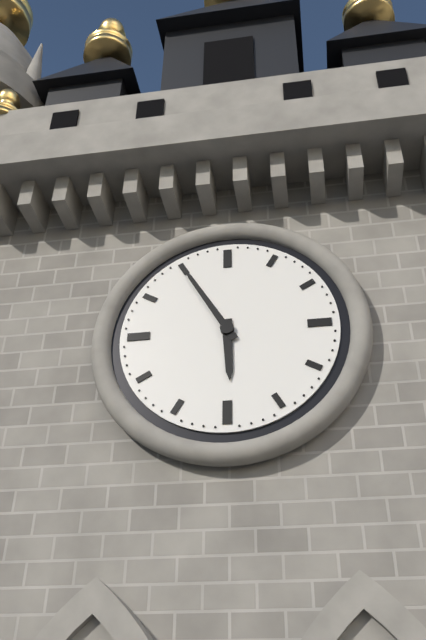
5.55
